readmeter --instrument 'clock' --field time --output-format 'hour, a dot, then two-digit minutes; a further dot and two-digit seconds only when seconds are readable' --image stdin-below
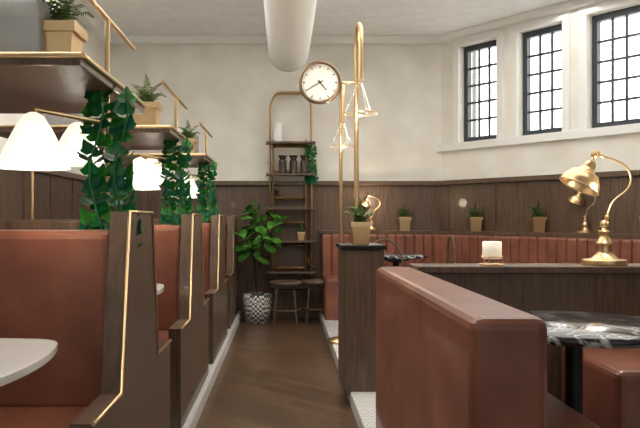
4.40
